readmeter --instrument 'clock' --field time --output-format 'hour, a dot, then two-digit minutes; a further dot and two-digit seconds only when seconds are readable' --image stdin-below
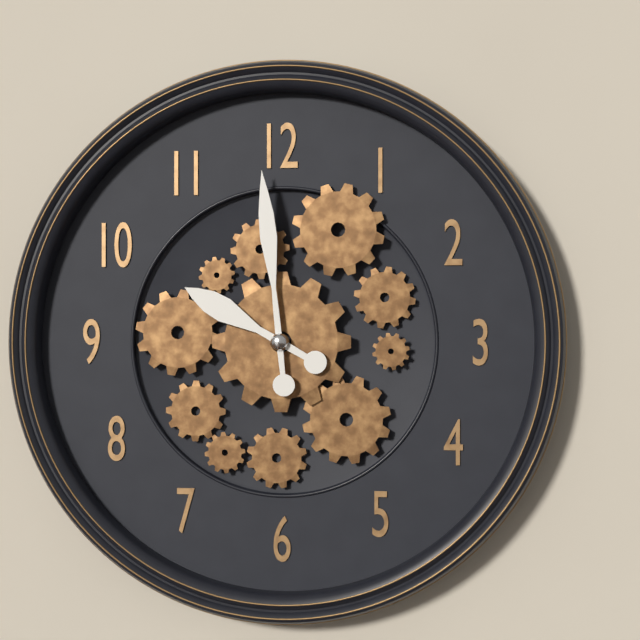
9.59
